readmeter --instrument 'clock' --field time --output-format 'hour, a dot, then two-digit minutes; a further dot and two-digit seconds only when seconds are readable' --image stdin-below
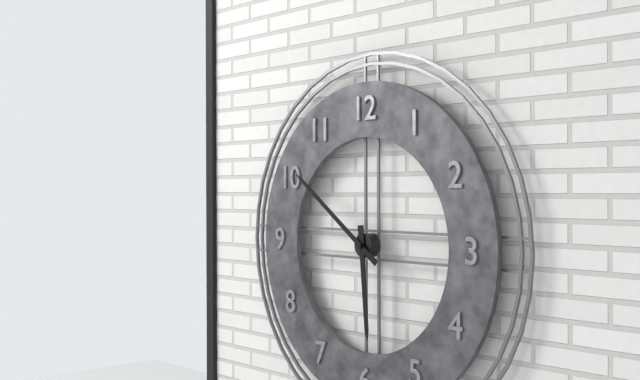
5.51
